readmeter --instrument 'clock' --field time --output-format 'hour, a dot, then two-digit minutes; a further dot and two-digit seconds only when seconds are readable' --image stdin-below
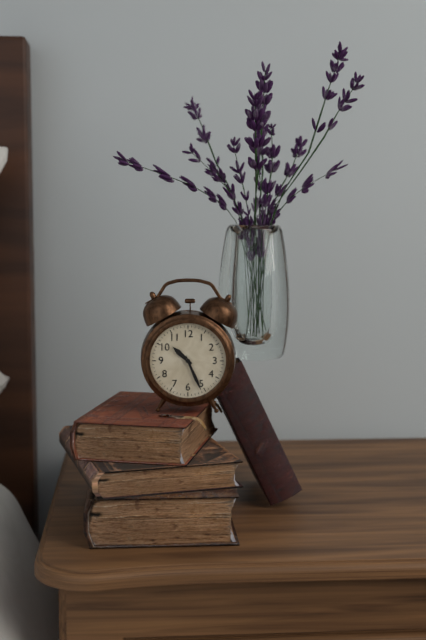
10.26
